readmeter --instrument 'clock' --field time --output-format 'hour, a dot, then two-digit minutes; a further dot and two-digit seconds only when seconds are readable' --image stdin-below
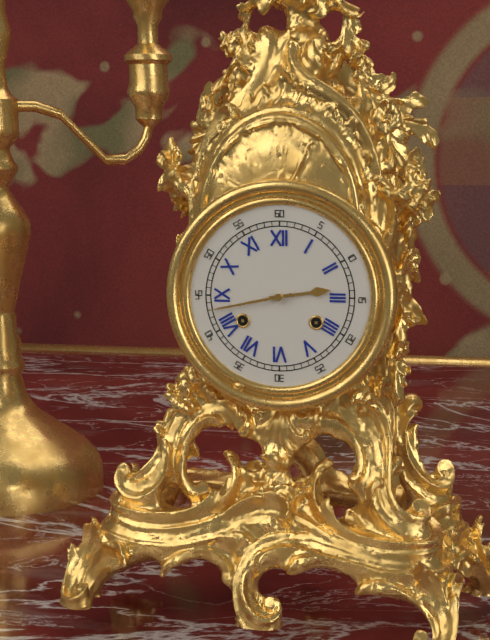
2.43
